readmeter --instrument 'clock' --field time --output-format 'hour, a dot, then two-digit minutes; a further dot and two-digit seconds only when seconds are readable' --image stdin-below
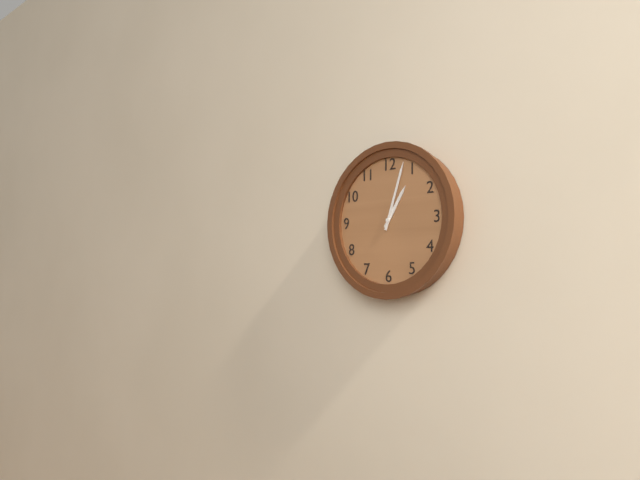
1.03
